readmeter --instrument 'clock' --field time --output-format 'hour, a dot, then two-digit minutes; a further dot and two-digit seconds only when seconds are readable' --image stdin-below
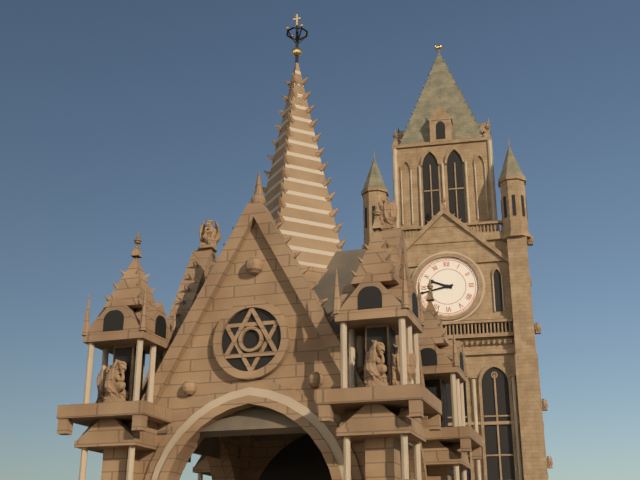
9.43
